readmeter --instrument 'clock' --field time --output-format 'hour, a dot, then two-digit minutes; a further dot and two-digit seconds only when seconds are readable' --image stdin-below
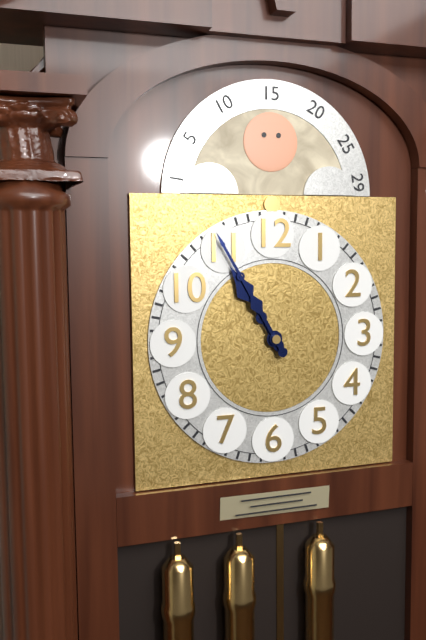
10.55
